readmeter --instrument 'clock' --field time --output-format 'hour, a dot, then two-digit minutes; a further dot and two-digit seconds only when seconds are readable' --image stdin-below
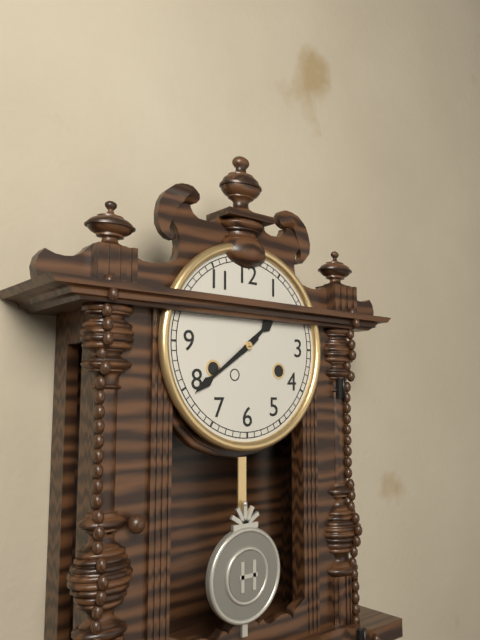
1.39
